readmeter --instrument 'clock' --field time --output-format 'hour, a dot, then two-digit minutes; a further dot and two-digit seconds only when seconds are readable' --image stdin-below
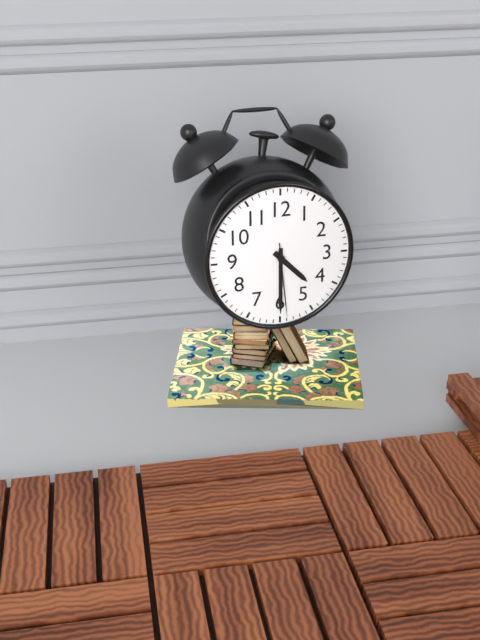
4.30.29
